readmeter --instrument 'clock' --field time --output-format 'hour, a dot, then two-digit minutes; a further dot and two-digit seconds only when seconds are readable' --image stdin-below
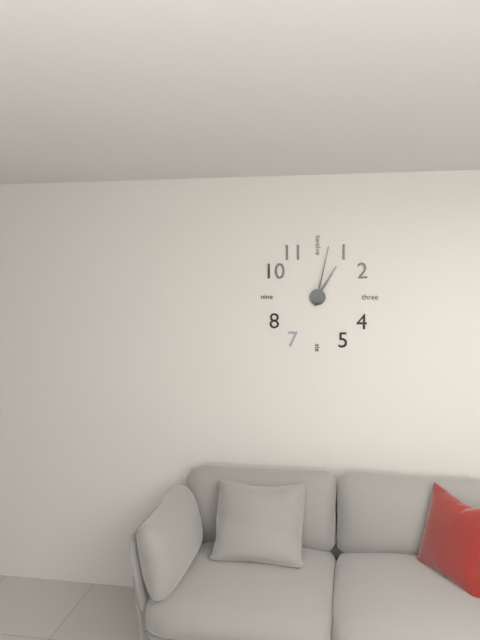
1.02
